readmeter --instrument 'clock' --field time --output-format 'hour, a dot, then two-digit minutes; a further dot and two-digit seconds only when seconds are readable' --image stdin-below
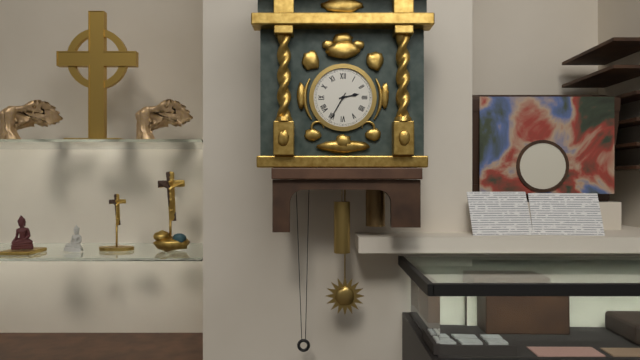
2.35
